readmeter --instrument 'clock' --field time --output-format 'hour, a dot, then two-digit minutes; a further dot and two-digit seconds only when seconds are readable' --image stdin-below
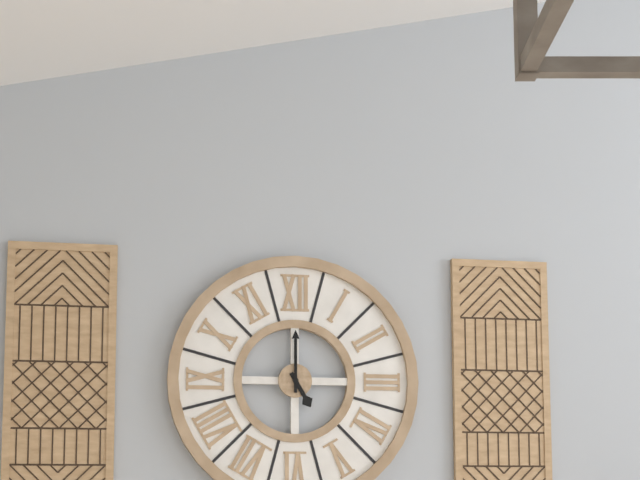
5.00
